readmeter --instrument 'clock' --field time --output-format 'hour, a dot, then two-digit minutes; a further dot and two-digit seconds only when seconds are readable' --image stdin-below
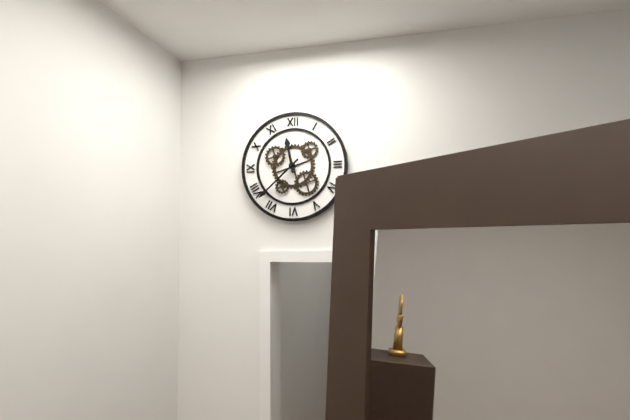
11.38
